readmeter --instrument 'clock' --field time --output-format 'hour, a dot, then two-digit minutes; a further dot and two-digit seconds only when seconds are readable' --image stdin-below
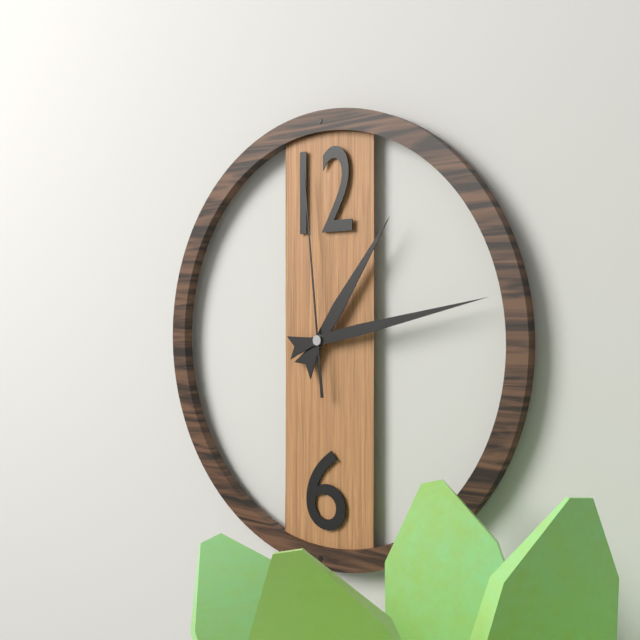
1.13.59
